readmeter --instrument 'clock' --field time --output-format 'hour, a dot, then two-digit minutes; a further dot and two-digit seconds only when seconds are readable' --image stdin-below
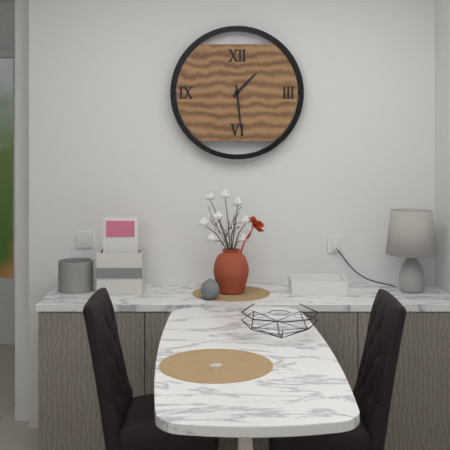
1.29
